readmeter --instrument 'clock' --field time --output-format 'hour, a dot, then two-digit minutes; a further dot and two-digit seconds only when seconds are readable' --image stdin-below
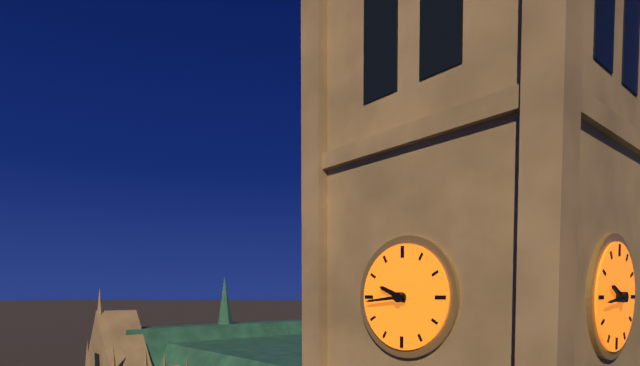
9.44
